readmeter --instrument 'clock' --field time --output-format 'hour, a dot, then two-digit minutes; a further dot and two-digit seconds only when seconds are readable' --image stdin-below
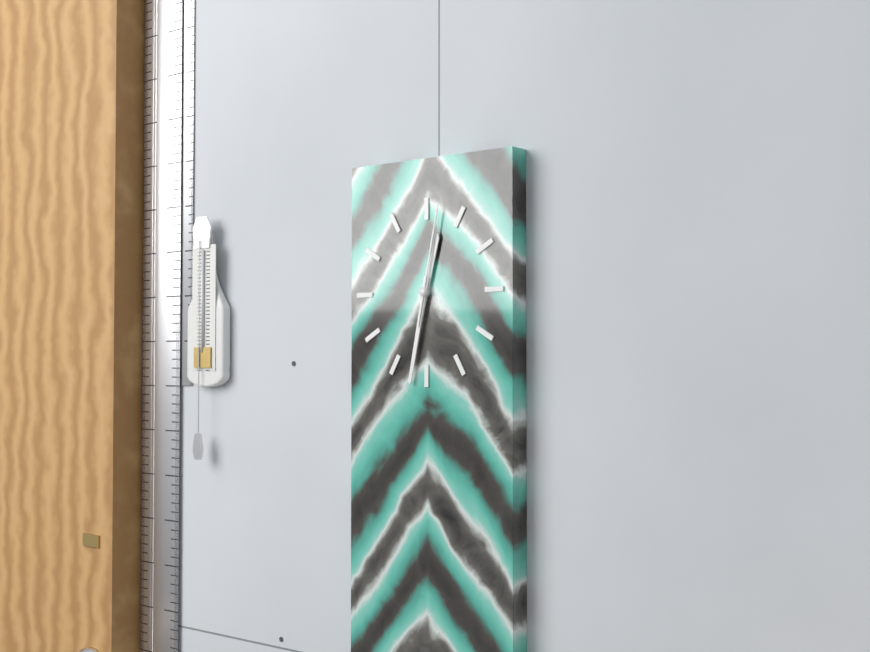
12.32.02
